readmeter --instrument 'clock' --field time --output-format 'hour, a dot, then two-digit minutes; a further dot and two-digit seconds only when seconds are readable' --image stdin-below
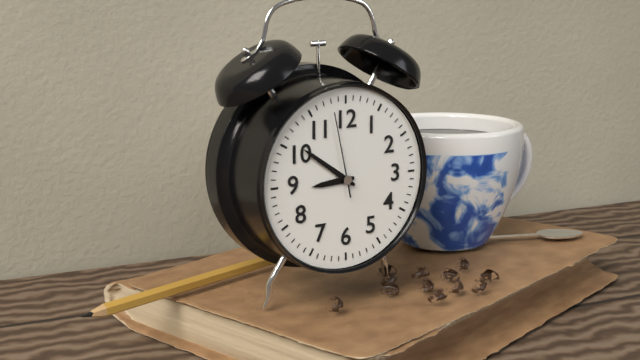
8.51.58
